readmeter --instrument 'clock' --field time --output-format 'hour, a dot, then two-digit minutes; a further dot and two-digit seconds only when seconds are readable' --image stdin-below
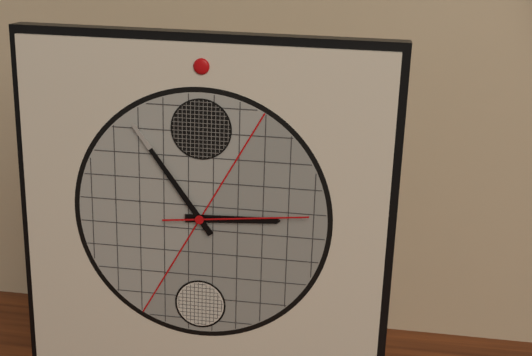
2.54.14
